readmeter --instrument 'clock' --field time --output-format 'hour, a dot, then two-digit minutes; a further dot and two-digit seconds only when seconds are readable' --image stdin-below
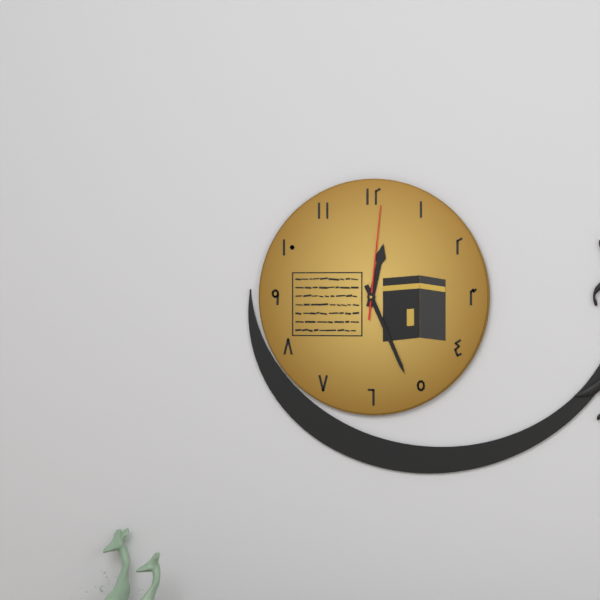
12.26.01
